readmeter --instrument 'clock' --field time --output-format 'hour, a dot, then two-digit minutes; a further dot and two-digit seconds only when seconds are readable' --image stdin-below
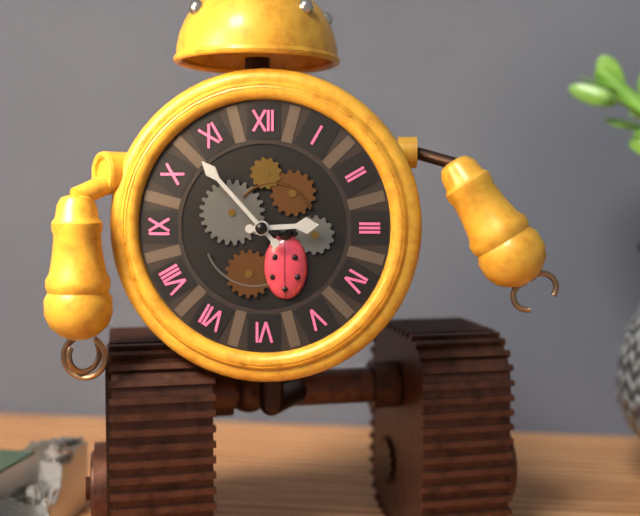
2.53
